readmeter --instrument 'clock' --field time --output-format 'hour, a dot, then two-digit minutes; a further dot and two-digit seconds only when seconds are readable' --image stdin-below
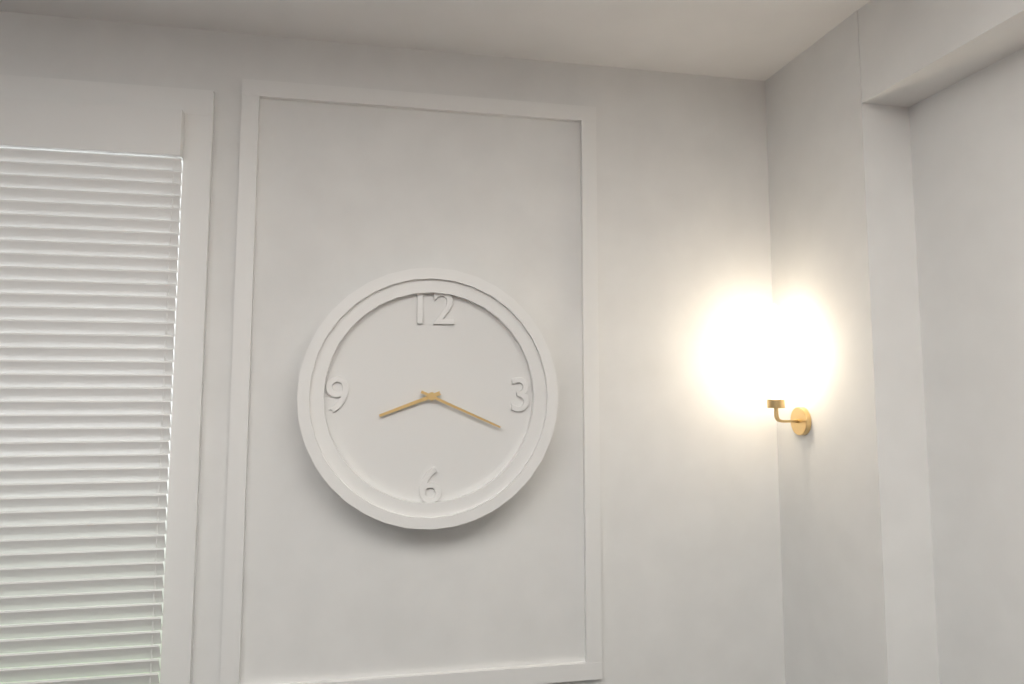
8.19
